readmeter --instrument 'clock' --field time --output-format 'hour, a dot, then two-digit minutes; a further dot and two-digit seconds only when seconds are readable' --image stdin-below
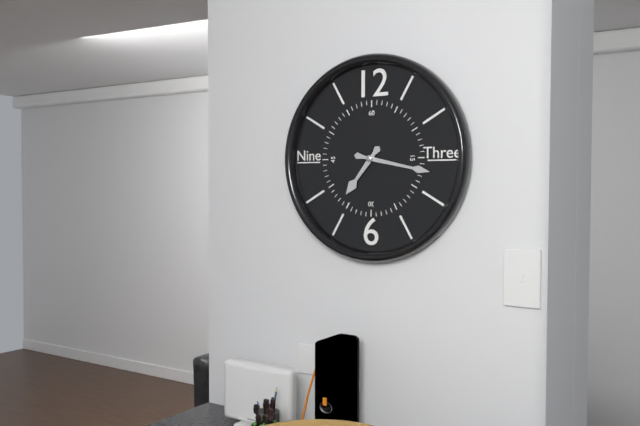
7.17
